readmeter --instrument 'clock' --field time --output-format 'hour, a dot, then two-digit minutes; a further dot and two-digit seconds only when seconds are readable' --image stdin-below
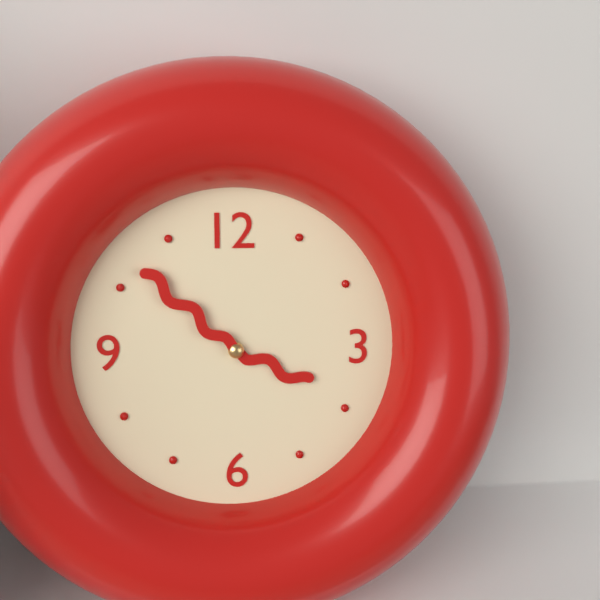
3.52
